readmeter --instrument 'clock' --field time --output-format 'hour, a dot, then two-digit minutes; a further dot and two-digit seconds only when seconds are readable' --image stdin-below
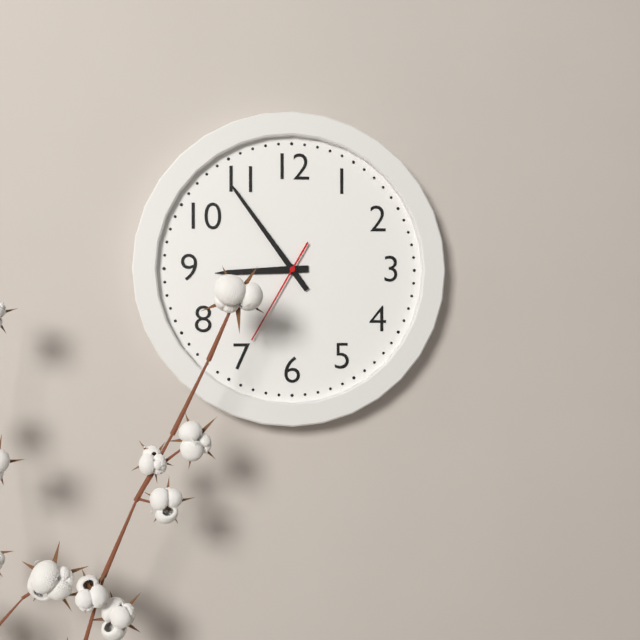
8.54.35
